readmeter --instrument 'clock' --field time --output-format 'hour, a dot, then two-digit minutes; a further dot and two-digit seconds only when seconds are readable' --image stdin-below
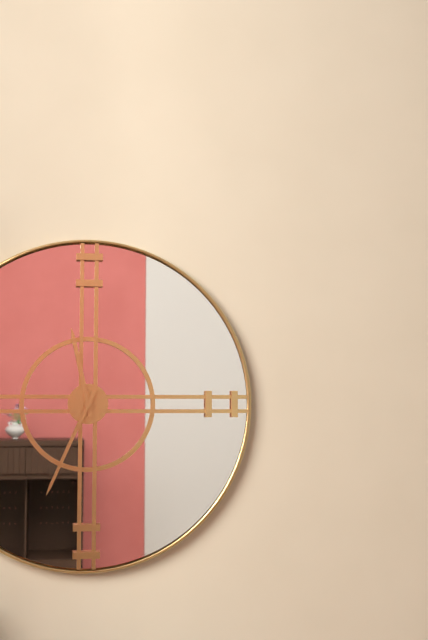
11.34
